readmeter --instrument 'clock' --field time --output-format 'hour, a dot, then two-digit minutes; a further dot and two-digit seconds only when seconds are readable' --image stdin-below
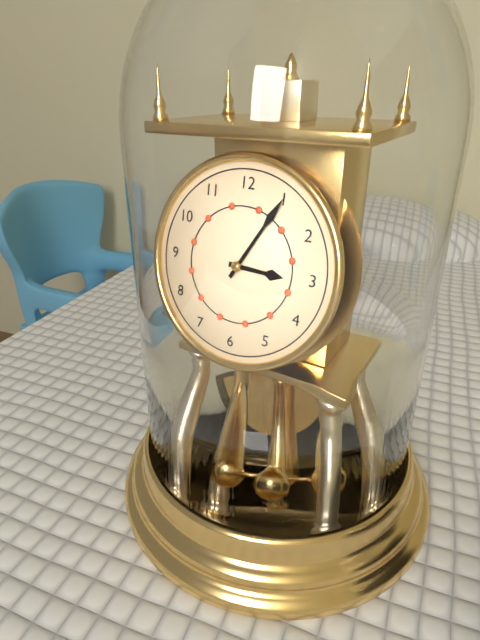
3.05
